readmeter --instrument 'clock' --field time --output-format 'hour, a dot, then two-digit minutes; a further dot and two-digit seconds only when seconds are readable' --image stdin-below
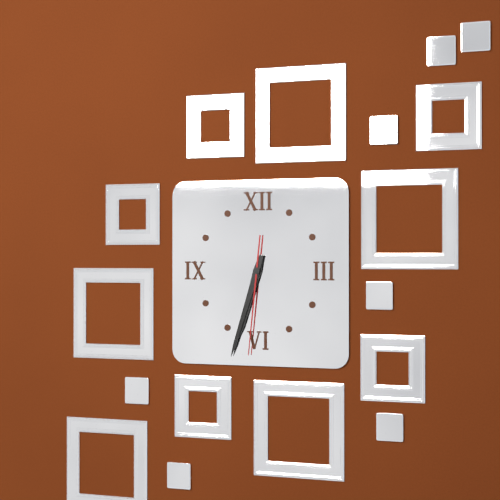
6.33.31
